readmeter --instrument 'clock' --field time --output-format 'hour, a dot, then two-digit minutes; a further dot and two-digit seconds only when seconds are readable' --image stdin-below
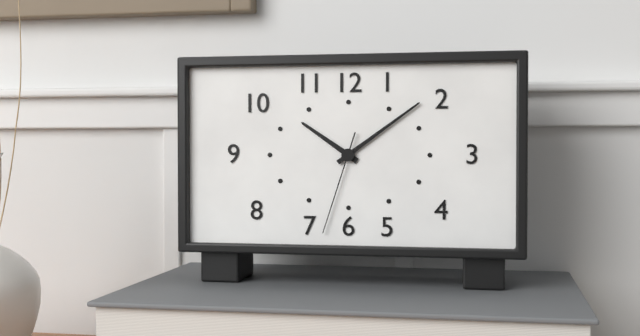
10.09.33
